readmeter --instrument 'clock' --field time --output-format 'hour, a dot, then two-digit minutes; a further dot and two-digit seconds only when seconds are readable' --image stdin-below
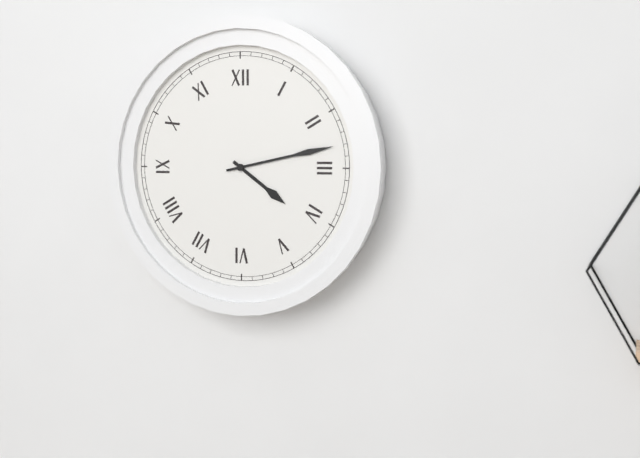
4.13
